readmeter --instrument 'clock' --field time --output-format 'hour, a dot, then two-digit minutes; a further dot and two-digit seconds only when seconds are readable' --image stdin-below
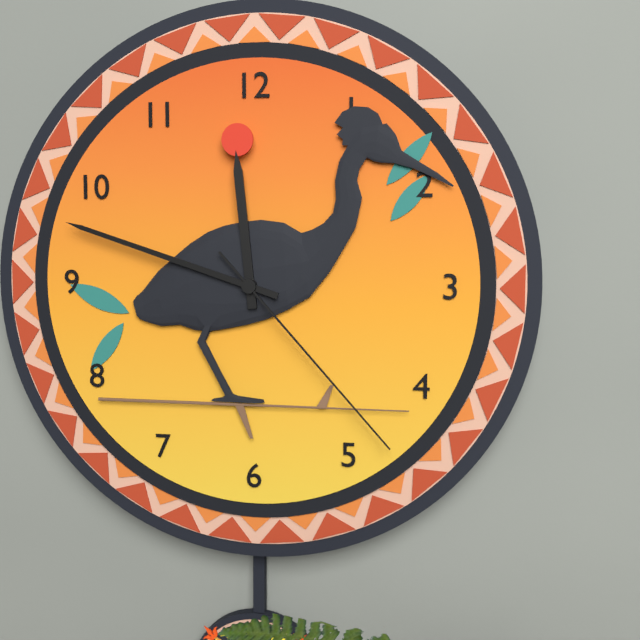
11.48.23
